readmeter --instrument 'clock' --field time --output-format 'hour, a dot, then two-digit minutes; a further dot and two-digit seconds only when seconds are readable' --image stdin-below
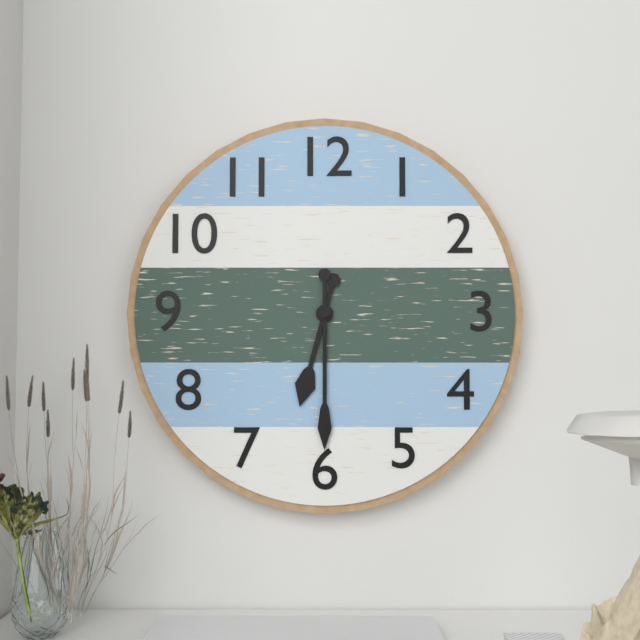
6.30
